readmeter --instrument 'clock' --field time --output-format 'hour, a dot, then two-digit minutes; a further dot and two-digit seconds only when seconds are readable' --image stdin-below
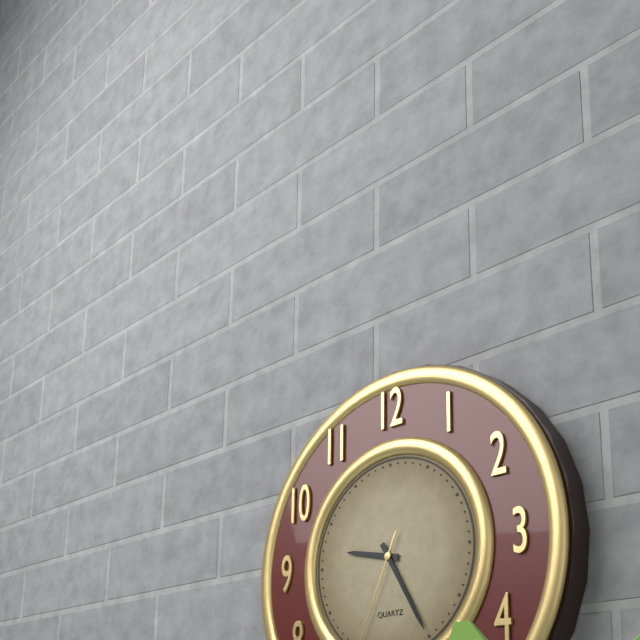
9.25
